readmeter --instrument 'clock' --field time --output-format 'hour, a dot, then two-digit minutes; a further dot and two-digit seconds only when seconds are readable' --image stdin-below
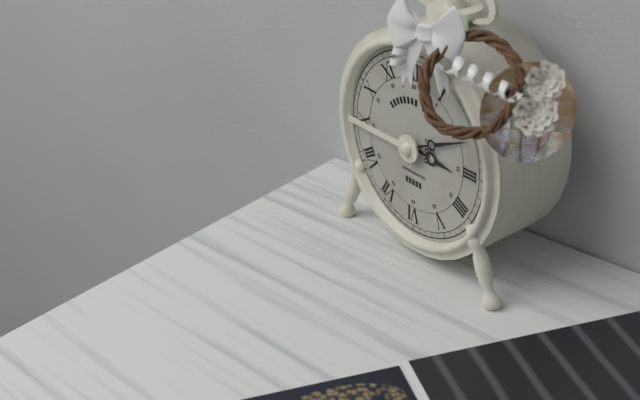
3.11
